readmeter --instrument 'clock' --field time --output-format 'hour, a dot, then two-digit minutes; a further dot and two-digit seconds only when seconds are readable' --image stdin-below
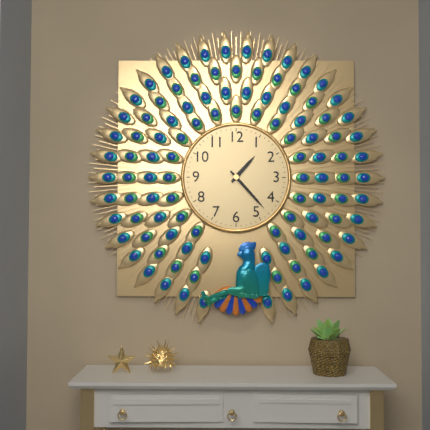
1.23
